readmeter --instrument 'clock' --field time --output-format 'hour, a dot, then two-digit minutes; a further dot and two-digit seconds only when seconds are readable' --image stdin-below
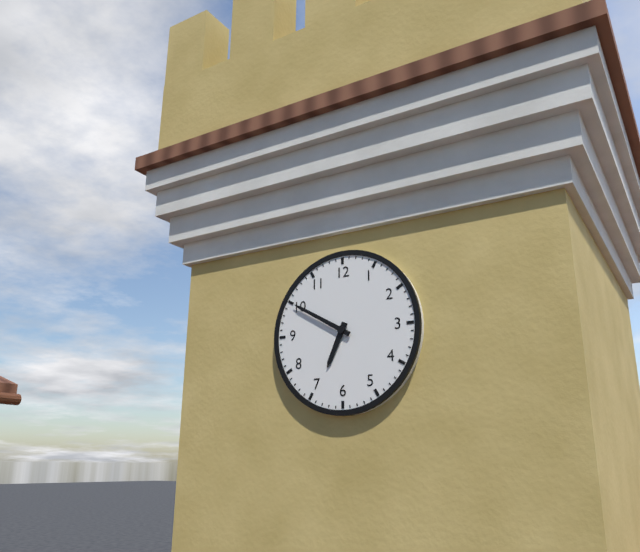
6.50
